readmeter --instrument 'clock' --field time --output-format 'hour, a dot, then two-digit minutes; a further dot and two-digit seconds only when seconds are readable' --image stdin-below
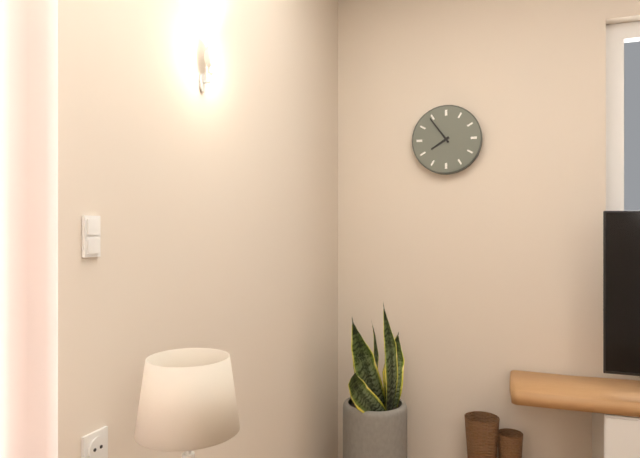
7.54
